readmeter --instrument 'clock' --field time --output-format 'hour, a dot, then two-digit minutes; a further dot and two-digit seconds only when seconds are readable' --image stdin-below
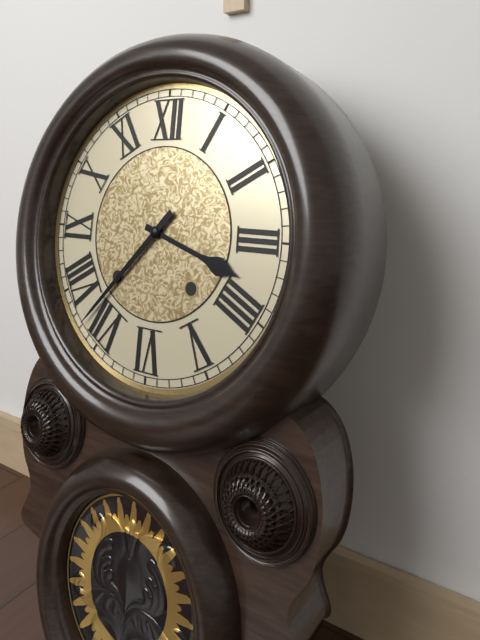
3.37
